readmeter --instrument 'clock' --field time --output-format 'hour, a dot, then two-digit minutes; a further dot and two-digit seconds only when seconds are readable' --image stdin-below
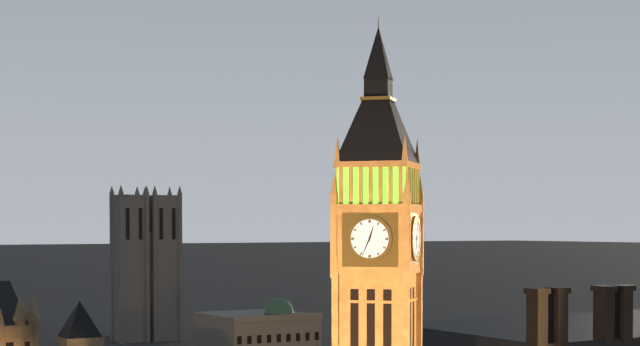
12.34
